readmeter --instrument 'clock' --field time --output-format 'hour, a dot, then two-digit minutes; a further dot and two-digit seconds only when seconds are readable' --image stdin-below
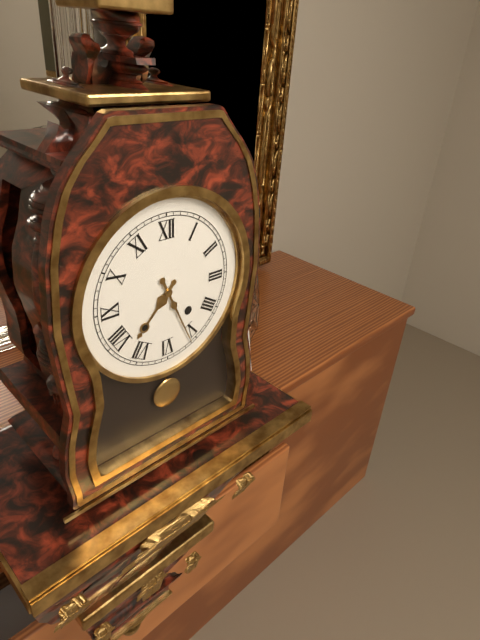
7.26
